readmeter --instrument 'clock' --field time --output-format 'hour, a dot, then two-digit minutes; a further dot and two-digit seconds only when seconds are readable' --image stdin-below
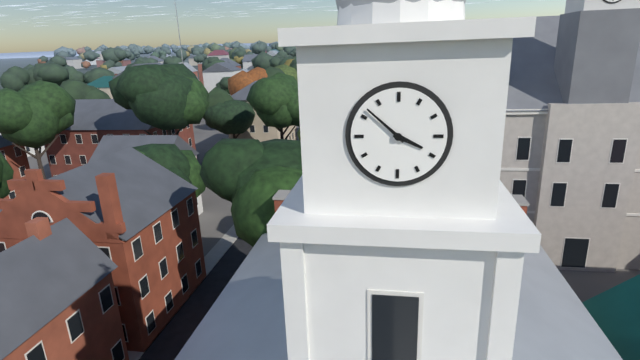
3.52
